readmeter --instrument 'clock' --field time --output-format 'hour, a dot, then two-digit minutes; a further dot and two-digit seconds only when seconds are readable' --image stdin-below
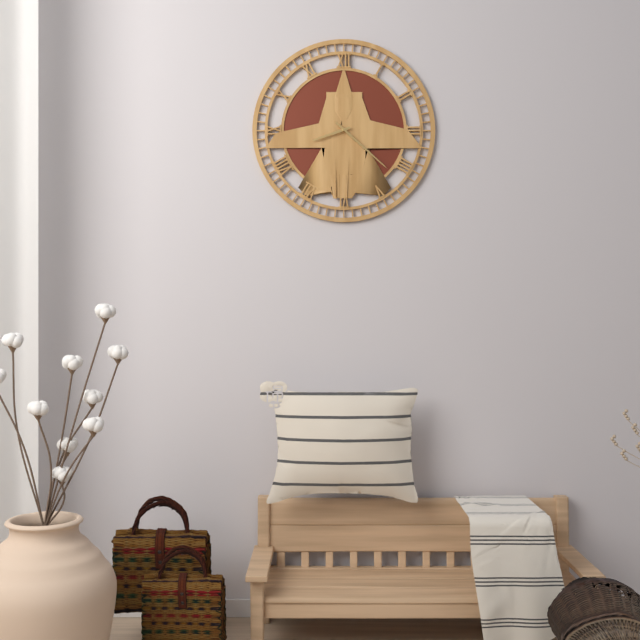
8.22
